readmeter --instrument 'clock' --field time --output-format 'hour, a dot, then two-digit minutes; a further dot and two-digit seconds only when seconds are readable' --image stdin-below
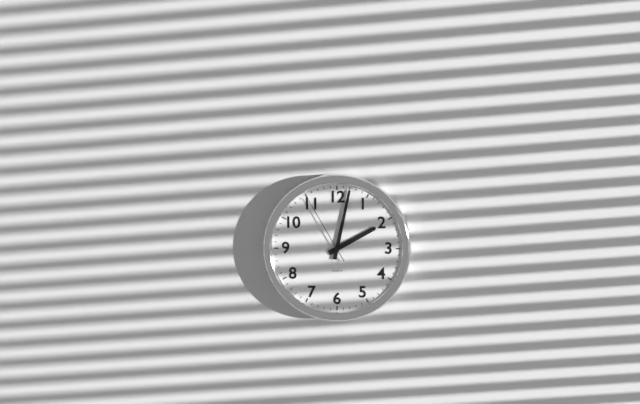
2.02.55
